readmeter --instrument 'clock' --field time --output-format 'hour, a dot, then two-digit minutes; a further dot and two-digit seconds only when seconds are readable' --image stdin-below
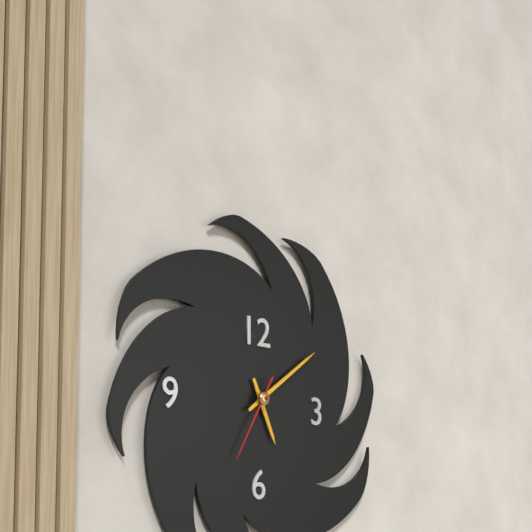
5.09.35
